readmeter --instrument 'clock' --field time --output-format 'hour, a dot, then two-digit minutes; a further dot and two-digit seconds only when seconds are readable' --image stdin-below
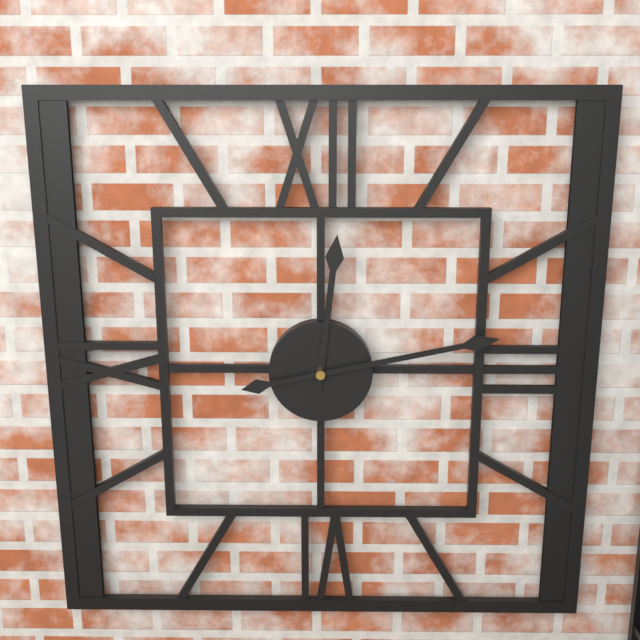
12.13
